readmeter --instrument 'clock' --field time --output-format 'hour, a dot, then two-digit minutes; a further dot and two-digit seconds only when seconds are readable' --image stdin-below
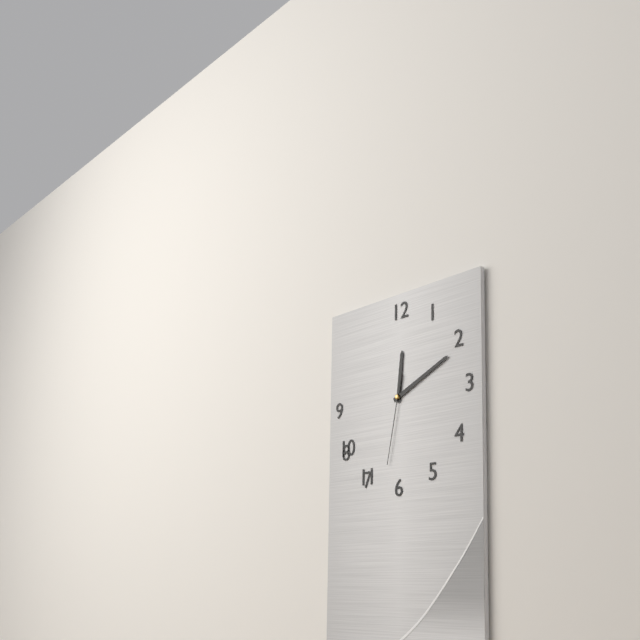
12.11.32
